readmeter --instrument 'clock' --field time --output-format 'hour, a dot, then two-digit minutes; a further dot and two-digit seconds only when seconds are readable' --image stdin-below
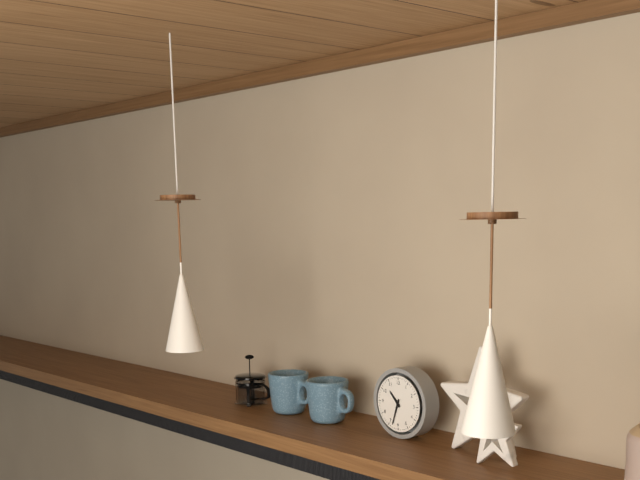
10.33
